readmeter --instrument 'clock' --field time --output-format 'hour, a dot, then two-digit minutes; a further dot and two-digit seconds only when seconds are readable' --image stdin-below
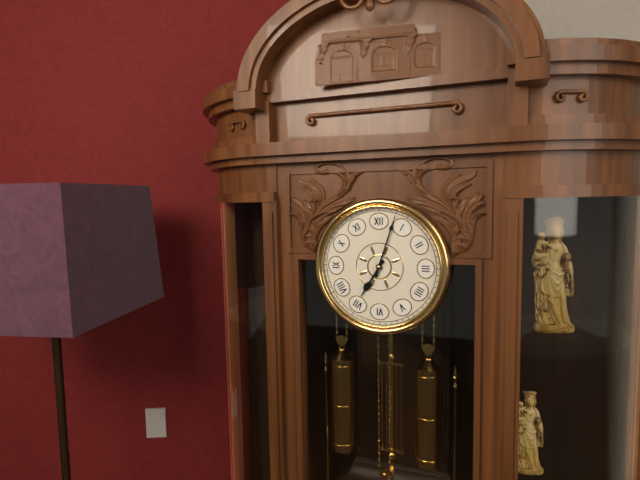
7.03
